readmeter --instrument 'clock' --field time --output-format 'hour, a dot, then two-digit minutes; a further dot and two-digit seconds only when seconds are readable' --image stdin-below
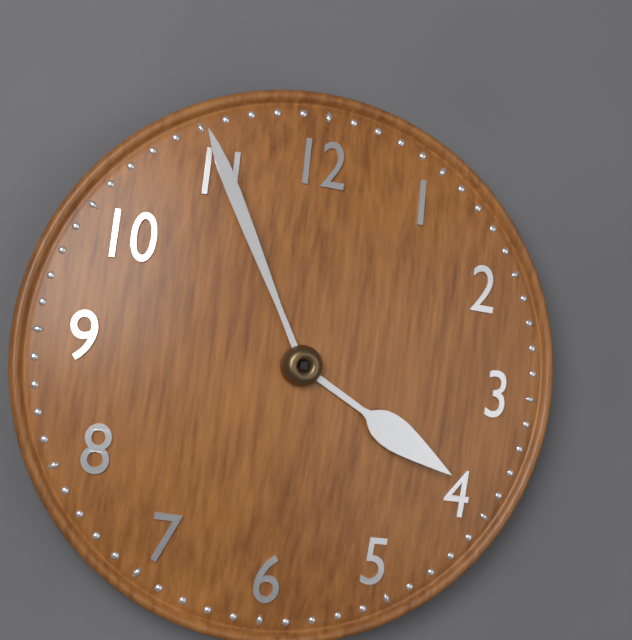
3.55
